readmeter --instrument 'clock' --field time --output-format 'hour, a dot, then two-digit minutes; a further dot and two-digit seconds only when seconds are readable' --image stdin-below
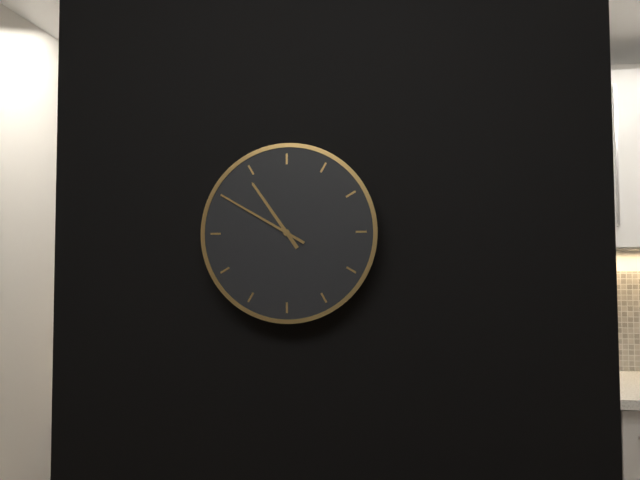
10.50
